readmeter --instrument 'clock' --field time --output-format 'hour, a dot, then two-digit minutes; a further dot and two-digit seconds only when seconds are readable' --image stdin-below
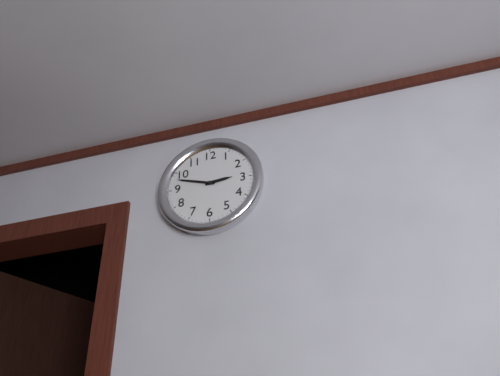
2.48
